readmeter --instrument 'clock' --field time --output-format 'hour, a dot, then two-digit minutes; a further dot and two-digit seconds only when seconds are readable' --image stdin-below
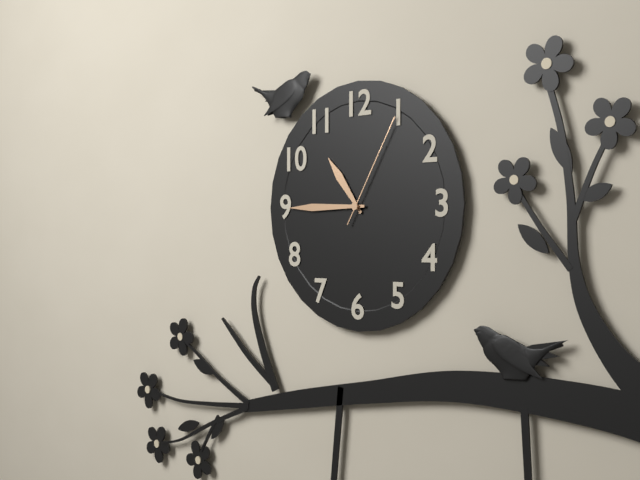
10.45.05
